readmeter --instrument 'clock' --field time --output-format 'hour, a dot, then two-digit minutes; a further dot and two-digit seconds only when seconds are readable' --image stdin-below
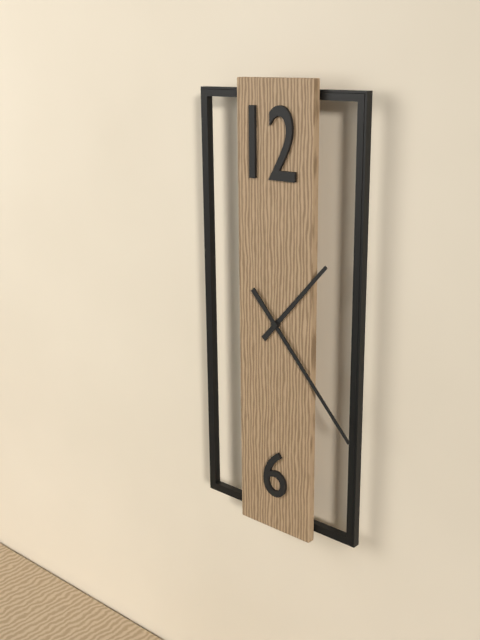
1.23
